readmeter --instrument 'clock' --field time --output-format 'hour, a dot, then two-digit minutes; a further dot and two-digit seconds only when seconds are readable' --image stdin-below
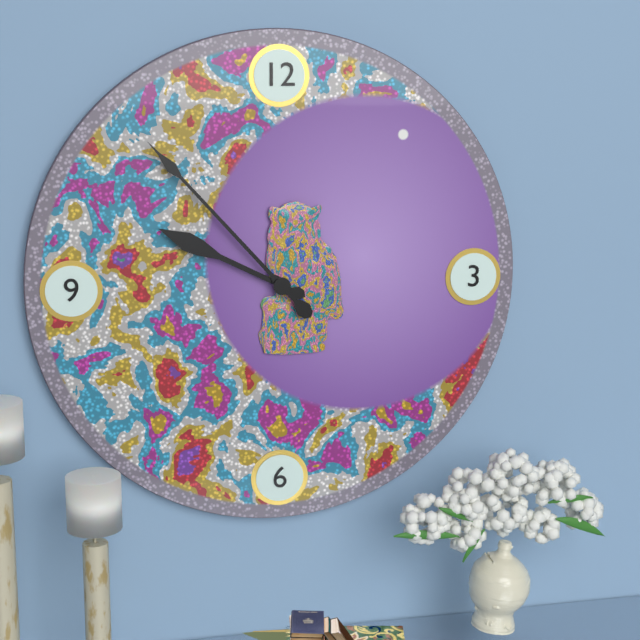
9.53
